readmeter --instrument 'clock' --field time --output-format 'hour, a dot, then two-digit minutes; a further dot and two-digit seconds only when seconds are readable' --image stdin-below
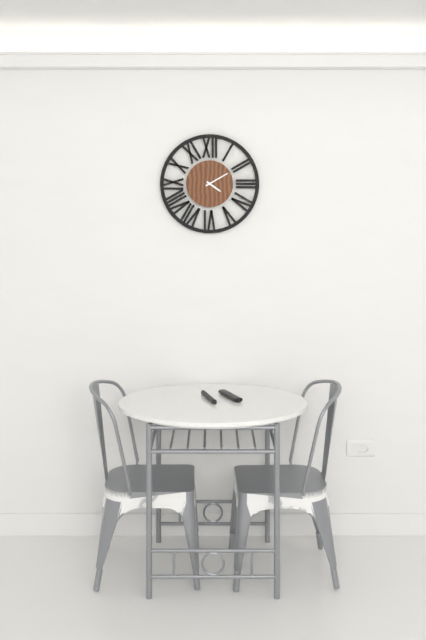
4.10
